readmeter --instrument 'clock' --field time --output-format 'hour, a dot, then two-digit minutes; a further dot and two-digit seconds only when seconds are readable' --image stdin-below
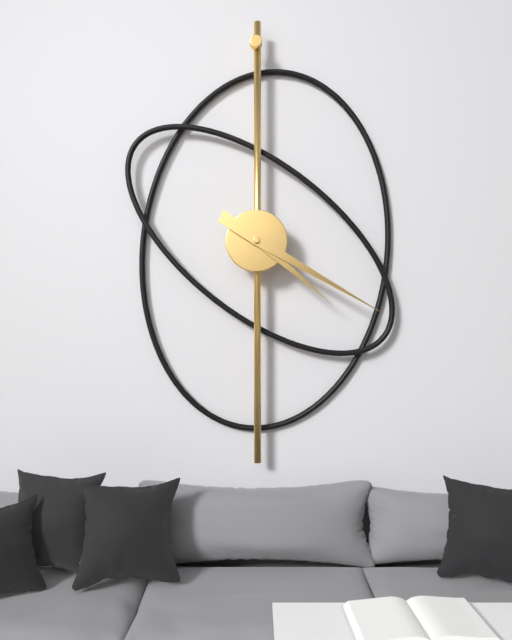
4.20
